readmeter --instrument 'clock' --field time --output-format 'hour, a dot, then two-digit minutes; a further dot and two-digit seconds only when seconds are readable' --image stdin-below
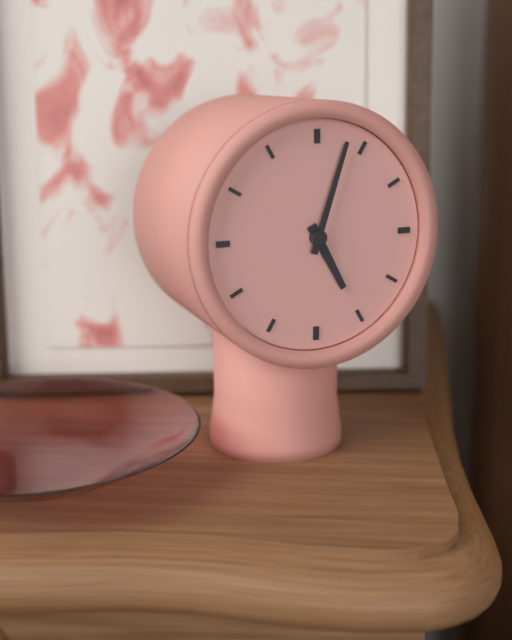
5.03
